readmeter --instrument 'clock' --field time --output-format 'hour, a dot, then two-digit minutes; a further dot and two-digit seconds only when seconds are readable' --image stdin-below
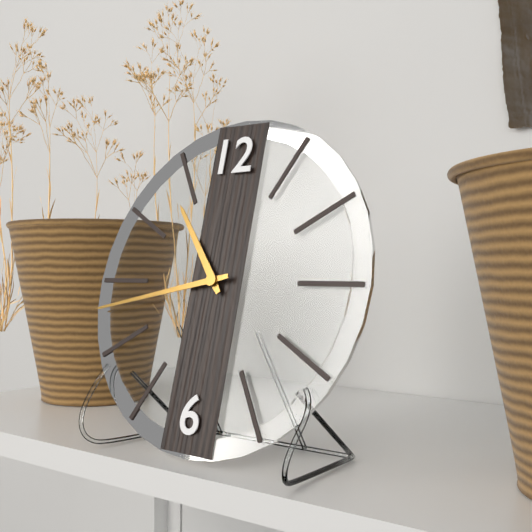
10.43
